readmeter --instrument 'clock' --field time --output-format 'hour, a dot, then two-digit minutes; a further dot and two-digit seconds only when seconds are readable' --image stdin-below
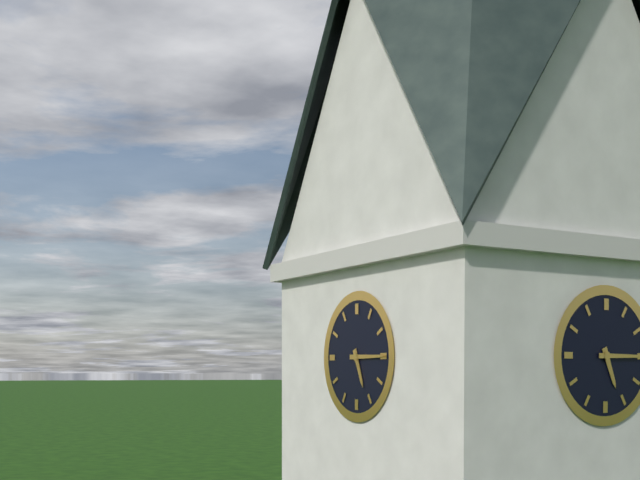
5.15
